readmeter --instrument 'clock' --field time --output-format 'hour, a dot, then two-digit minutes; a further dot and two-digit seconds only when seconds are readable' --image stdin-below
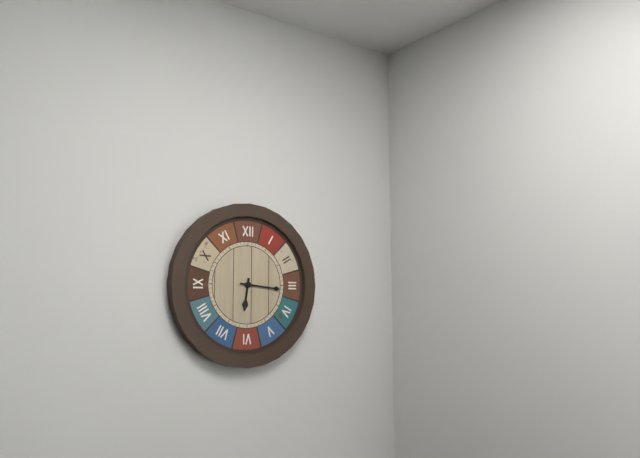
6.16
